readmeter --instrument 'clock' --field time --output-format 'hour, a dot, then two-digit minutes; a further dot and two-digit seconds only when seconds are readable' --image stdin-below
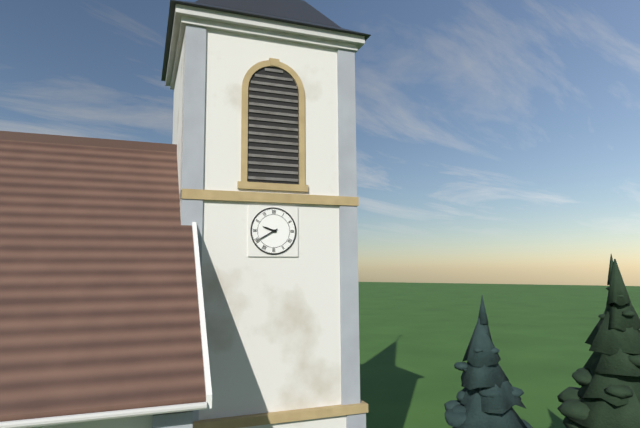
9.40
